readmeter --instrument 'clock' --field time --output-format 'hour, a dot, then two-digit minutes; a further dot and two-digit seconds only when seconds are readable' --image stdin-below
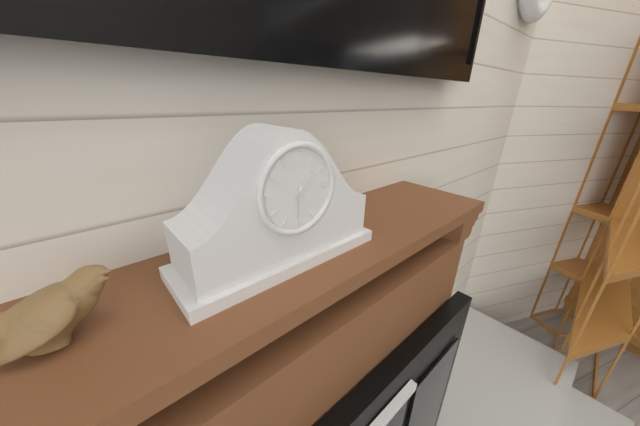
1.30
